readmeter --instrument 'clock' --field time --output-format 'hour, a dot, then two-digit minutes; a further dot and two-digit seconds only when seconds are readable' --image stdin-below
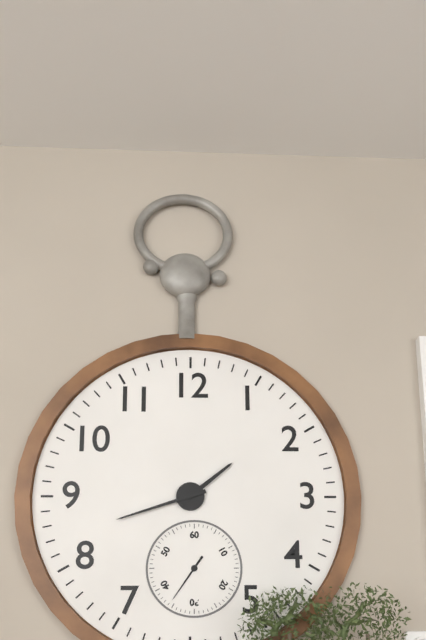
1.42
